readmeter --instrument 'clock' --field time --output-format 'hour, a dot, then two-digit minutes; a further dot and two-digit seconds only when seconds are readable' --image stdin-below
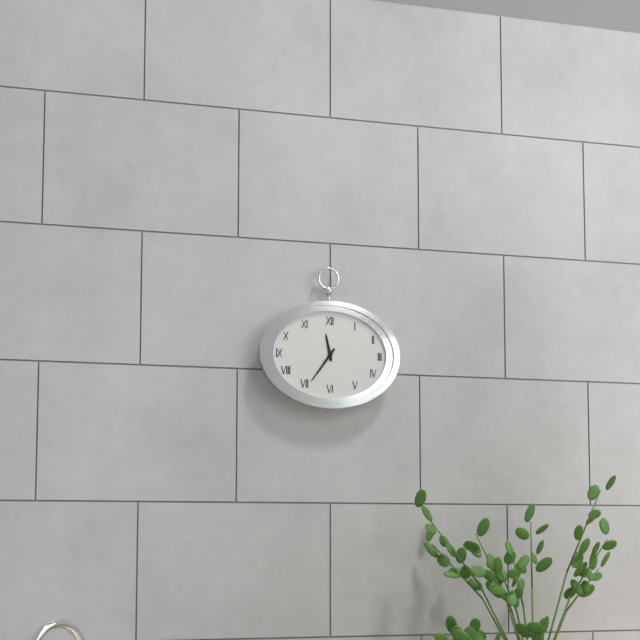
11.36
